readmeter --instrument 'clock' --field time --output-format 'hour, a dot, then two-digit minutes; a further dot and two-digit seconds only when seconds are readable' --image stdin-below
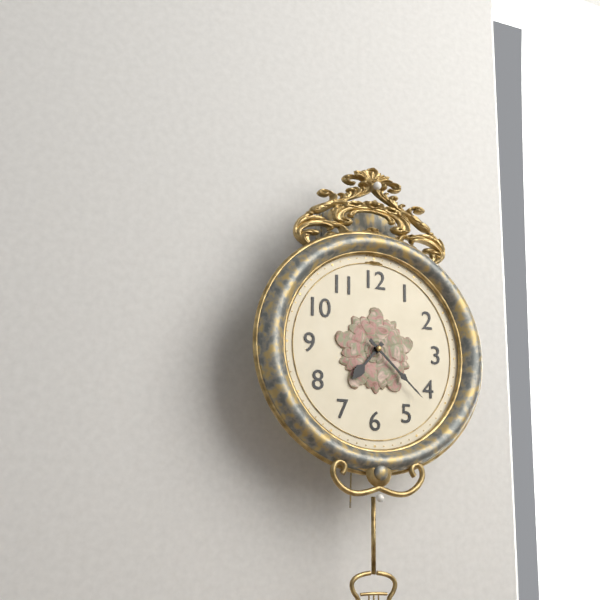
7.22
